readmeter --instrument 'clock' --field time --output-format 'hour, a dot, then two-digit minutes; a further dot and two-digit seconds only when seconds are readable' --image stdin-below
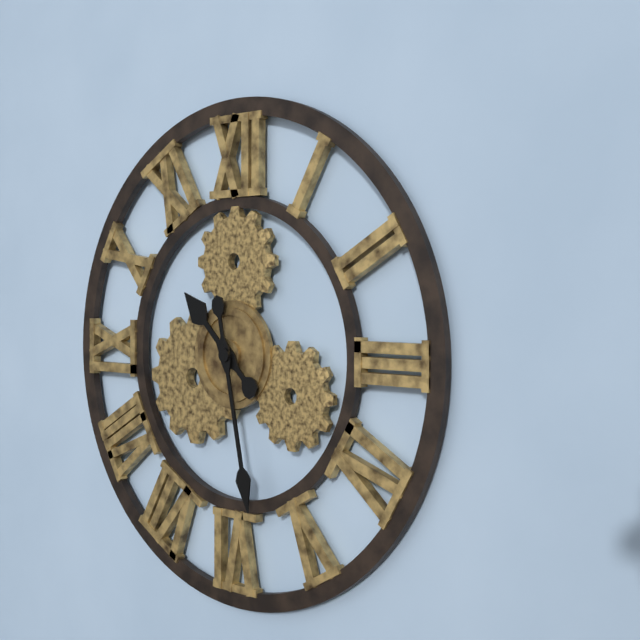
10.28
